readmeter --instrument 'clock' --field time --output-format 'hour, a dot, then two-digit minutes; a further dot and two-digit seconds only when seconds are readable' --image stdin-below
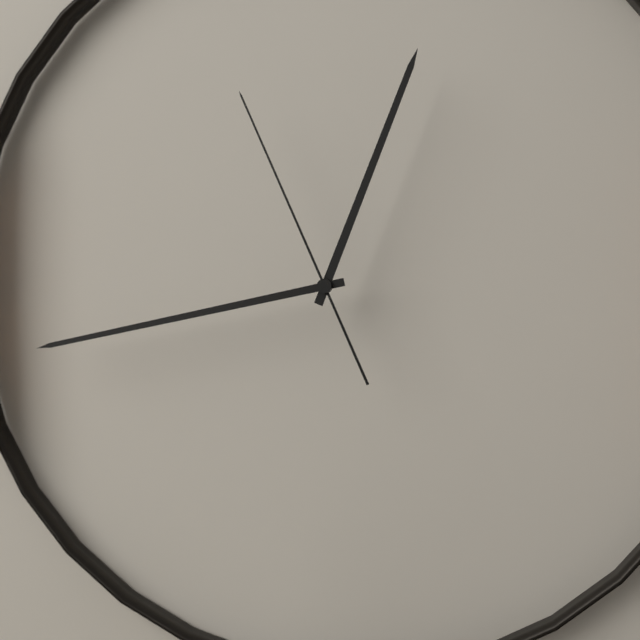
12.43.56
